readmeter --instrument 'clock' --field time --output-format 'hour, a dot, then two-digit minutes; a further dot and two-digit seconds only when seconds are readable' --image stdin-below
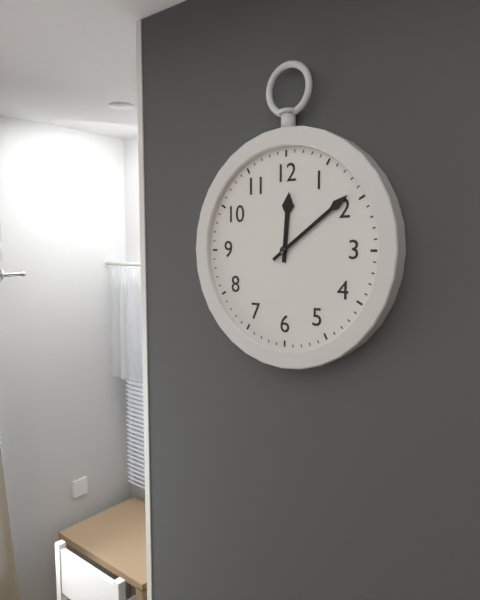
12.09
